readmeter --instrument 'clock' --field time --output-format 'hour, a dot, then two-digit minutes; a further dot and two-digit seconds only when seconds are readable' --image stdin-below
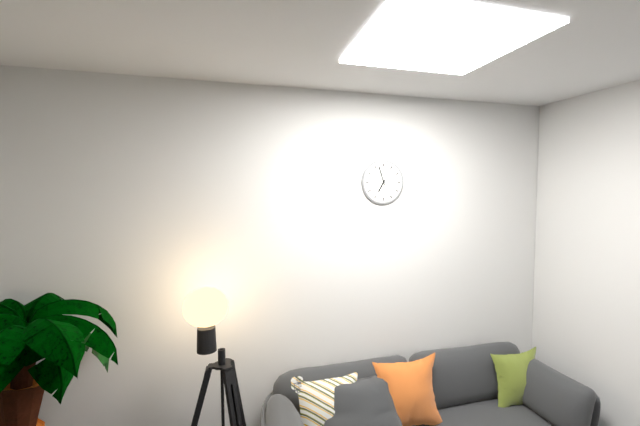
6.57
